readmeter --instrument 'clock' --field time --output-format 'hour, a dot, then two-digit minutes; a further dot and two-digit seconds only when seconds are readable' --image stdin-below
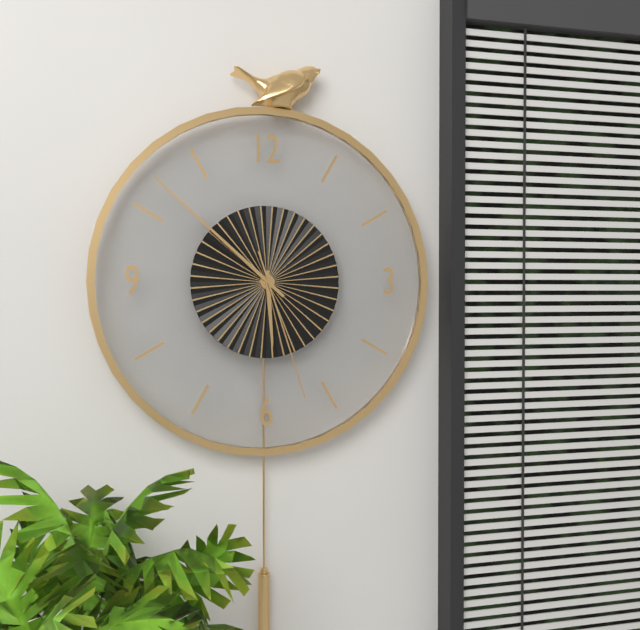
5.52.27
